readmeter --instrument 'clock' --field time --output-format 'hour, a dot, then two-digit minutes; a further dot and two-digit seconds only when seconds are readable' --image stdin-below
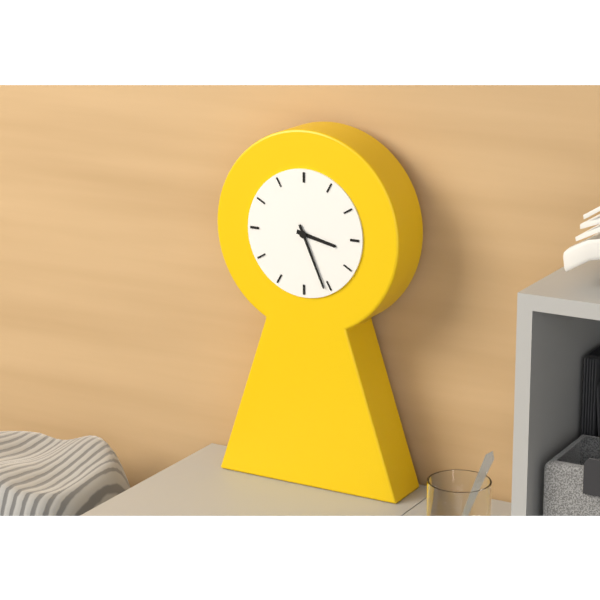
3.26
